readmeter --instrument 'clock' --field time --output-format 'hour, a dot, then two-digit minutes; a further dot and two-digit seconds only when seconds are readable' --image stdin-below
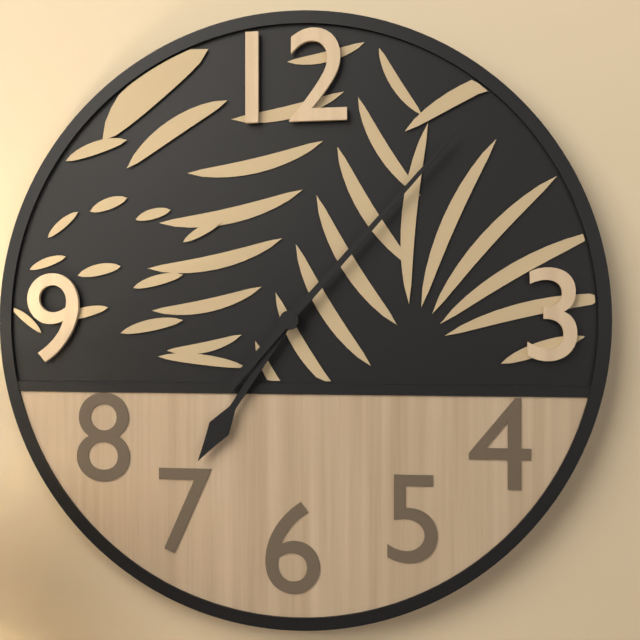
7.07
